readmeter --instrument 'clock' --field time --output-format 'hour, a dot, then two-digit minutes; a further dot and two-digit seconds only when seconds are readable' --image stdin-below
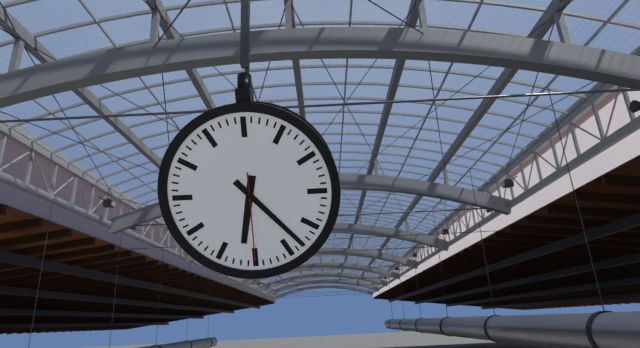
6.23.30
